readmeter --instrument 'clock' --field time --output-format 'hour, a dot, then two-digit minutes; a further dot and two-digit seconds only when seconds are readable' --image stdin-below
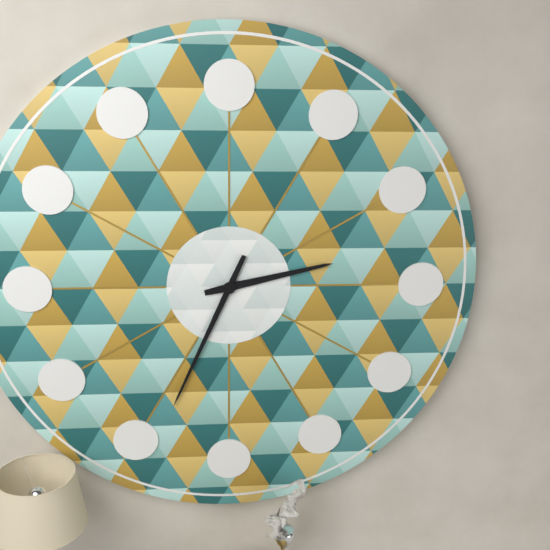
2.34
